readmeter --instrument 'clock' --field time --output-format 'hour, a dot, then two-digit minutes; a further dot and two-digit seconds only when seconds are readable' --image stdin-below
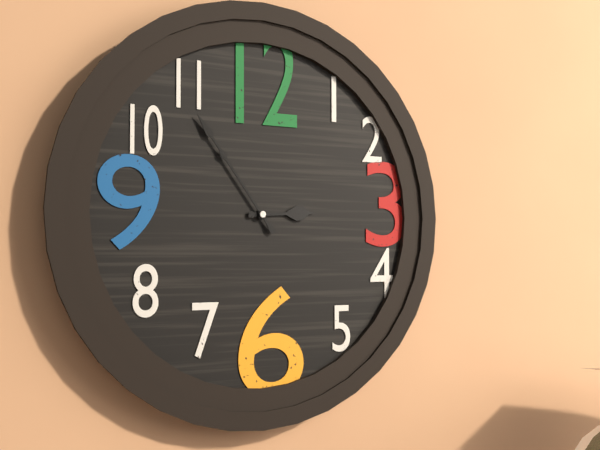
2.54
